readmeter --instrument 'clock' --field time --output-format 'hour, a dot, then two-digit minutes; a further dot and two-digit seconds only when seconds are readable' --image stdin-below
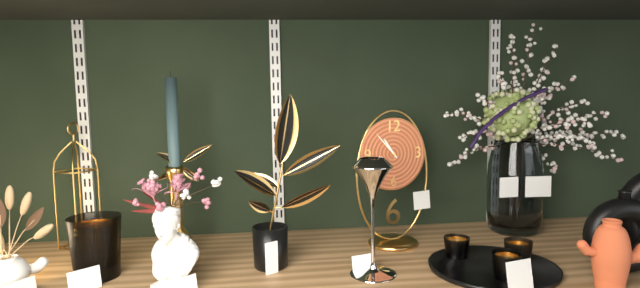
10.53
